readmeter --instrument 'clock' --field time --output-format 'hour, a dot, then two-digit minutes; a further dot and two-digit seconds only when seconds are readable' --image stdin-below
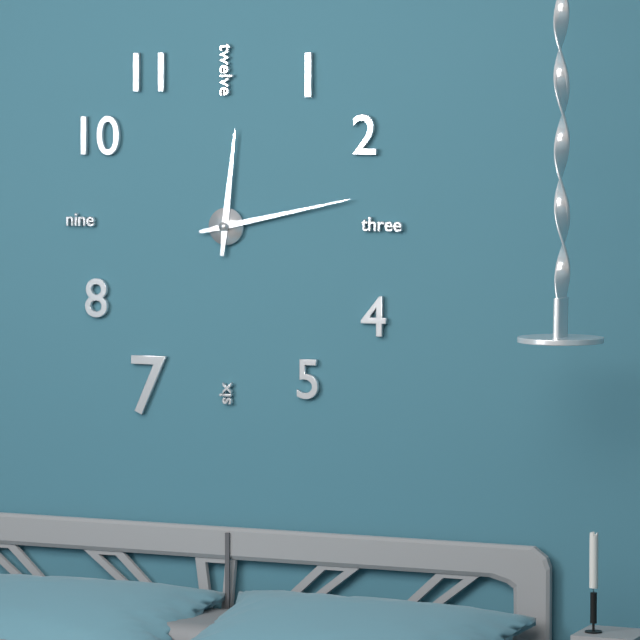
12.13
